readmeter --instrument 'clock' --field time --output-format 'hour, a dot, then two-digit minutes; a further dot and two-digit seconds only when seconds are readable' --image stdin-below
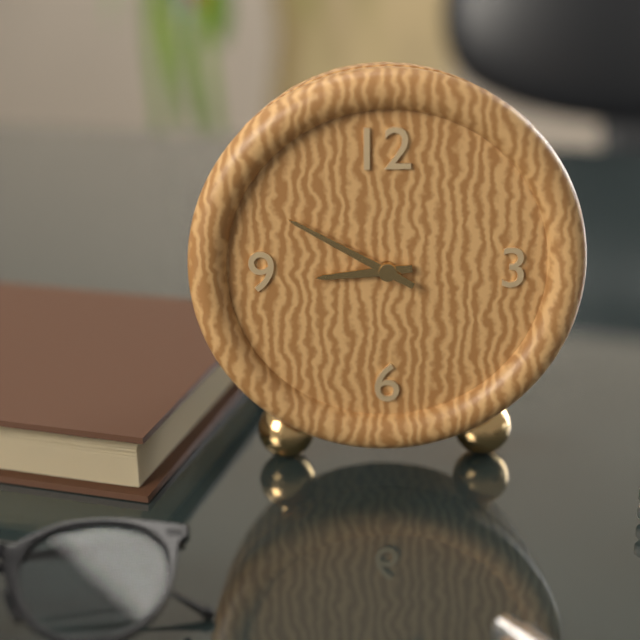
8.50
